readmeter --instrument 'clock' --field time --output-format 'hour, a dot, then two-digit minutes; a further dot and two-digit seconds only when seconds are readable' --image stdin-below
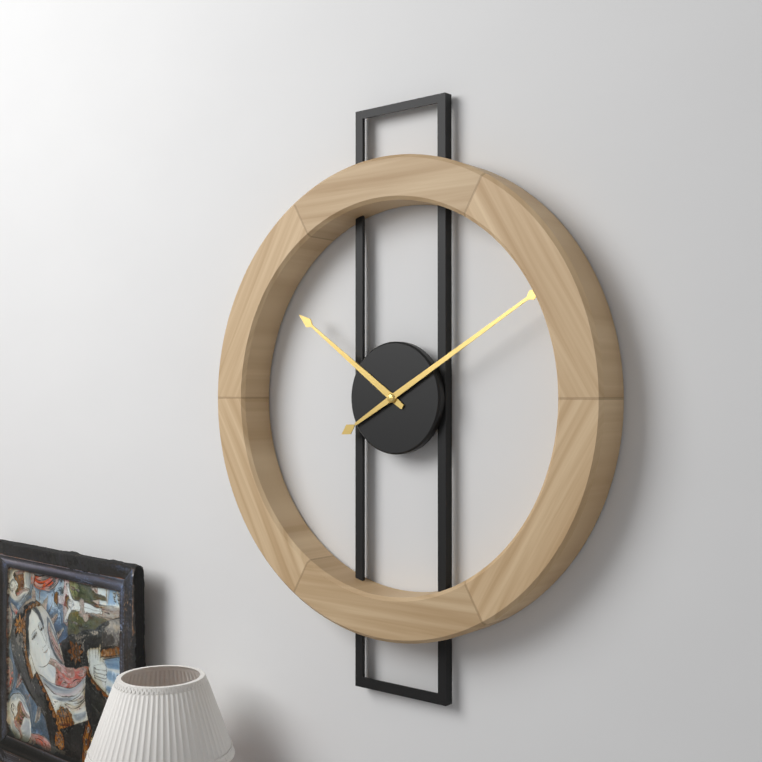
10.10
